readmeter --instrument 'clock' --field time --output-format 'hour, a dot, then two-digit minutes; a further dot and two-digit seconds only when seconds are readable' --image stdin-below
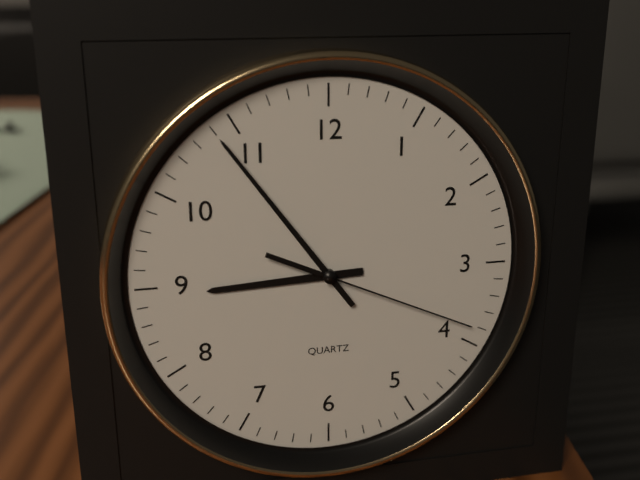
8.54.19
